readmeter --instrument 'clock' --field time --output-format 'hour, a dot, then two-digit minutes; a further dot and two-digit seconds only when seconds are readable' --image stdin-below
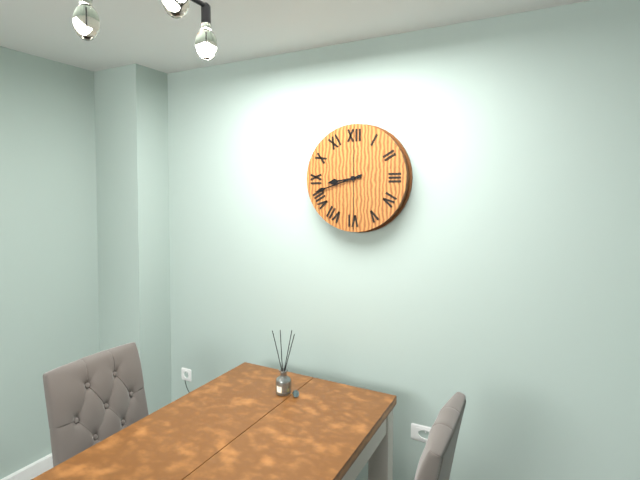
8.42
